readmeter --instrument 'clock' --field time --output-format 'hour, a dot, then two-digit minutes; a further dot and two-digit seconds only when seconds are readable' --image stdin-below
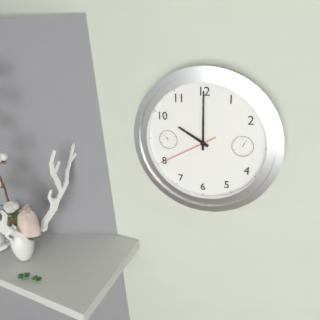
10.00.40
